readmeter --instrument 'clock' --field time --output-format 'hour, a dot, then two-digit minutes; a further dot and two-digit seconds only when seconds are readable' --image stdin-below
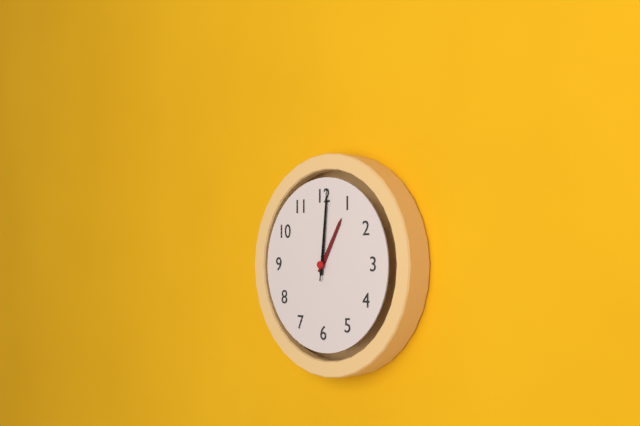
1.01.01
